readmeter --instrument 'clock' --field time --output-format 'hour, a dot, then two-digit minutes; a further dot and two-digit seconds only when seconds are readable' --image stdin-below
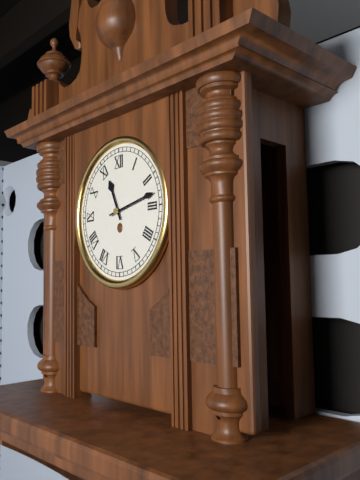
11.13
